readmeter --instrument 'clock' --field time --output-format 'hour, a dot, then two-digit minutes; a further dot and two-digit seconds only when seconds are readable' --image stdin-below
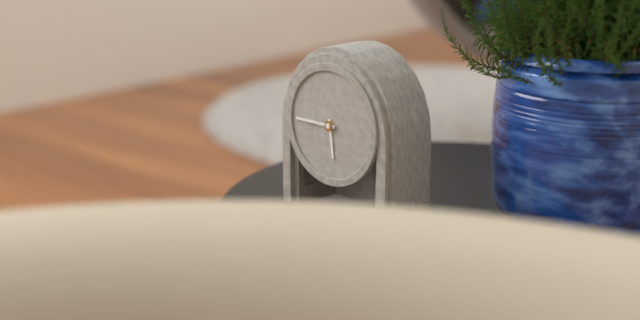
5.45
